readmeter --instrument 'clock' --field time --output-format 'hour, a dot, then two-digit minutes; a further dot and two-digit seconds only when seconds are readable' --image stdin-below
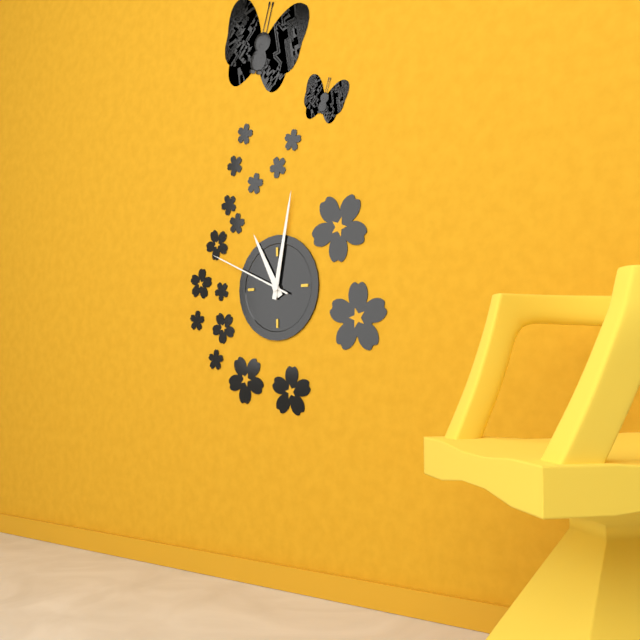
11.02.49
